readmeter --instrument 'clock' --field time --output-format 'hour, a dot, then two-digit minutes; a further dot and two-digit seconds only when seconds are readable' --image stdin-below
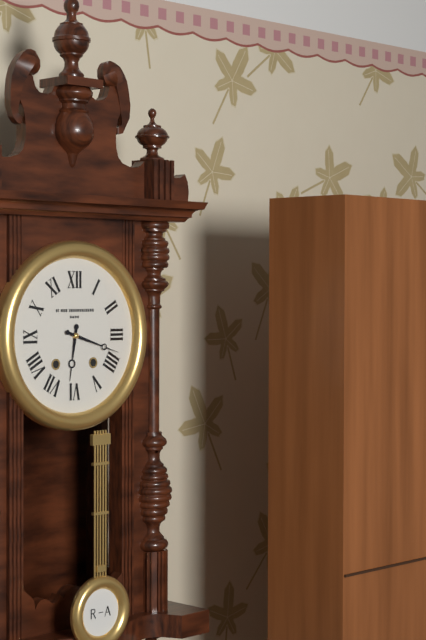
6.18
